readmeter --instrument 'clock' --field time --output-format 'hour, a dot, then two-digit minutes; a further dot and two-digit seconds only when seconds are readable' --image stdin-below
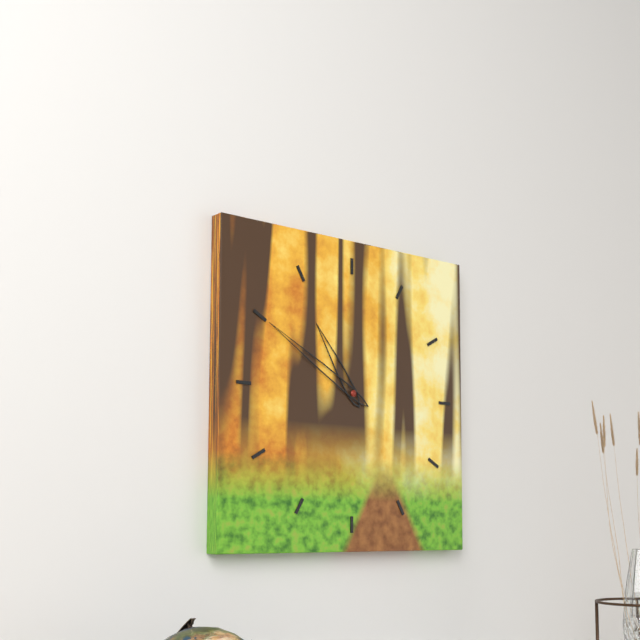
10.50
